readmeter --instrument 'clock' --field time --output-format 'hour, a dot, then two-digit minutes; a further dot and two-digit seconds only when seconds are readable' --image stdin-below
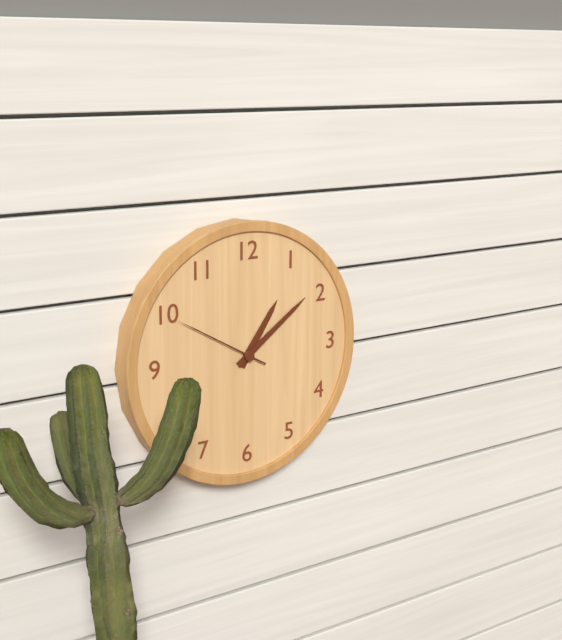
1.09.50
